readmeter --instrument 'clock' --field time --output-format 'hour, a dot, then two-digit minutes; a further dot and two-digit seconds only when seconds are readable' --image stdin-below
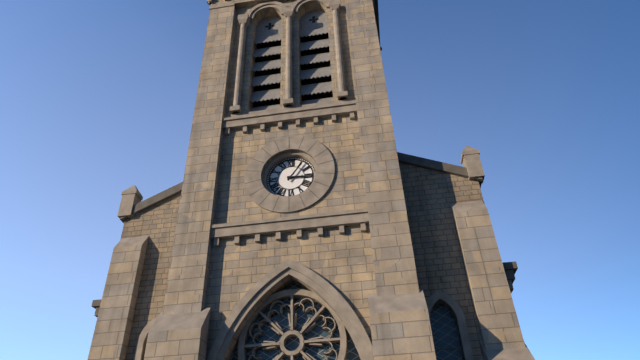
3.06
